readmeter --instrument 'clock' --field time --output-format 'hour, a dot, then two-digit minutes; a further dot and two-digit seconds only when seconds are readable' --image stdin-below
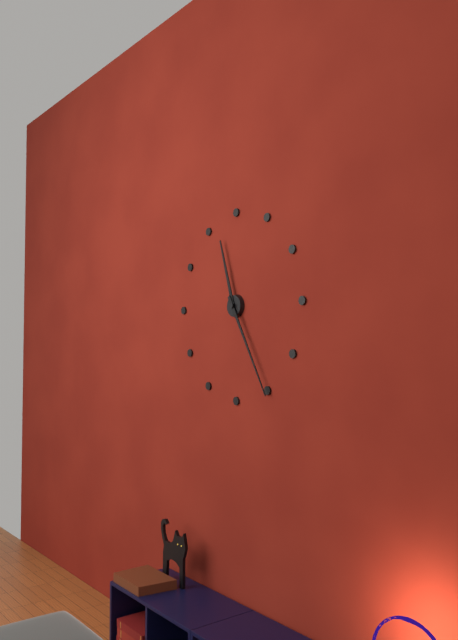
11.25
